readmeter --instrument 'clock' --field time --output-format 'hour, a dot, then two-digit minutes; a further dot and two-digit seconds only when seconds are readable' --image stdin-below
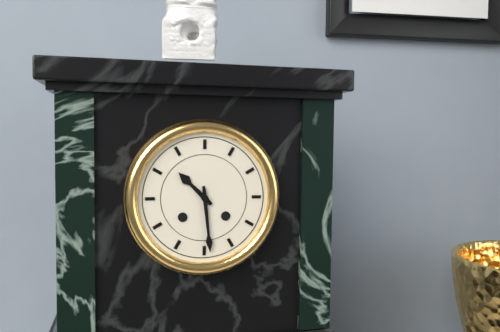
10.29
